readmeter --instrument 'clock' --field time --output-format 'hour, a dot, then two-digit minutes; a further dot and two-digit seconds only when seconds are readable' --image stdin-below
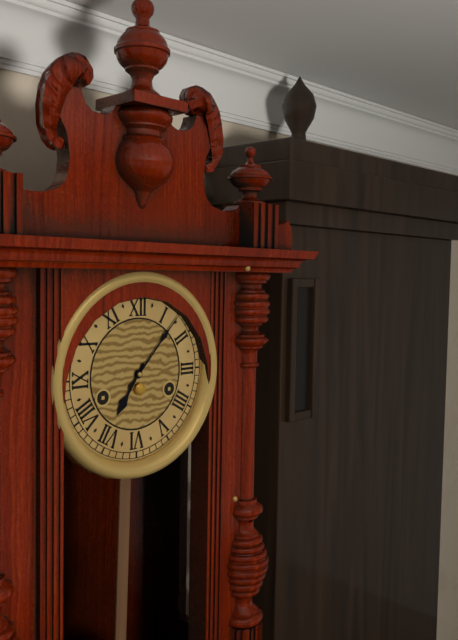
7.07
